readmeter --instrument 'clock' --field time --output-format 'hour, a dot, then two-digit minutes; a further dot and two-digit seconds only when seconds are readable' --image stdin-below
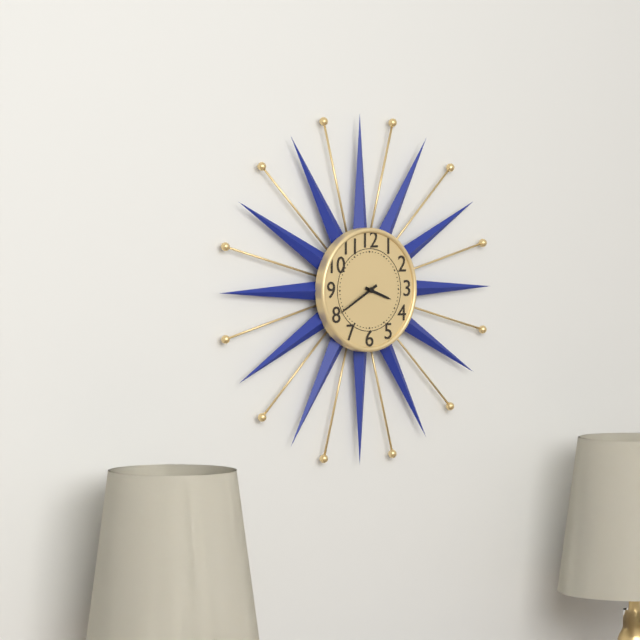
3.40
